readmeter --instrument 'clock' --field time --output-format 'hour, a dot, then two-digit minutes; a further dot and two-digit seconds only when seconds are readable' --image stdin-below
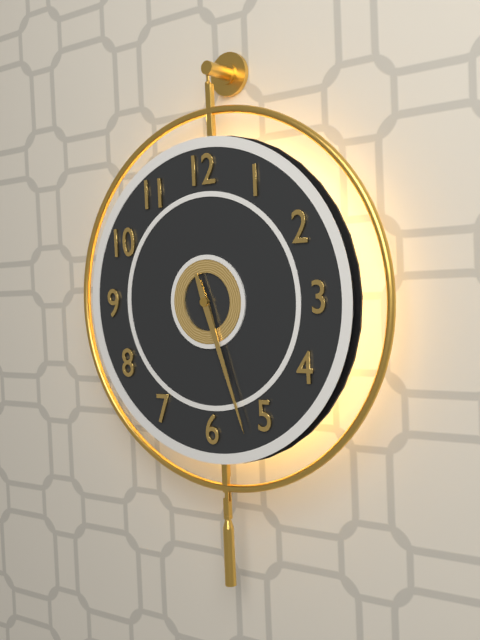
5.27
